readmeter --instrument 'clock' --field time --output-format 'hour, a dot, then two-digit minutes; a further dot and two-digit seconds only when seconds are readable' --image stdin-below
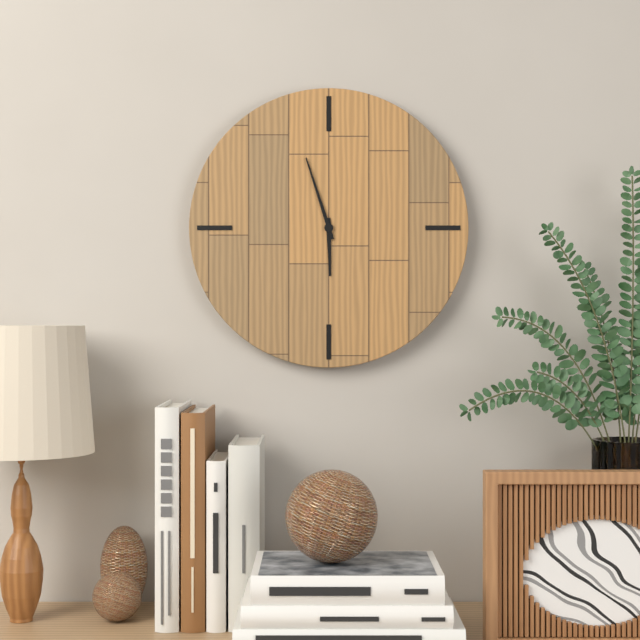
5.57
